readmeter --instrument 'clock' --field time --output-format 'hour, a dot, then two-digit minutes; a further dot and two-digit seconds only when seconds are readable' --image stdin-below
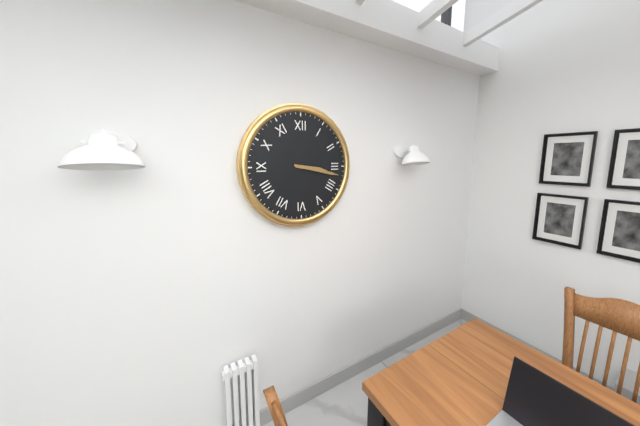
3.17
